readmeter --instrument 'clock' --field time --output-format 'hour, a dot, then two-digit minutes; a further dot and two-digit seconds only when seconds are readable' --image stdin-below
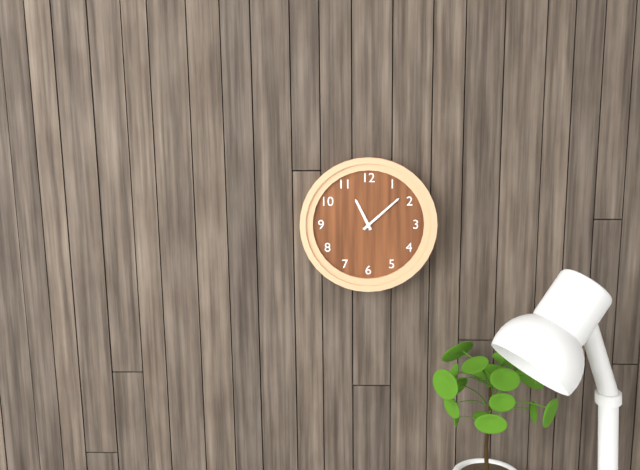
11.08
